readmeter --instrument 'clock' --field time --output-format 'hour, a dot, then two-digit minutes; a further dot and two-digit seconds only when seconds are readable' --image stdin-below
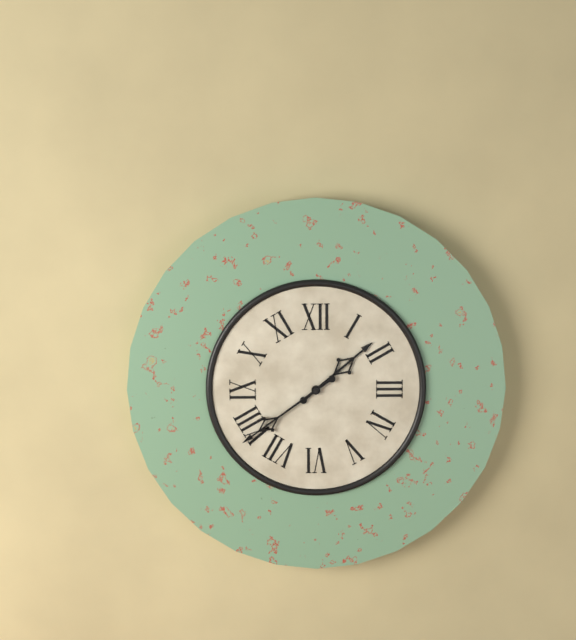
1.39
